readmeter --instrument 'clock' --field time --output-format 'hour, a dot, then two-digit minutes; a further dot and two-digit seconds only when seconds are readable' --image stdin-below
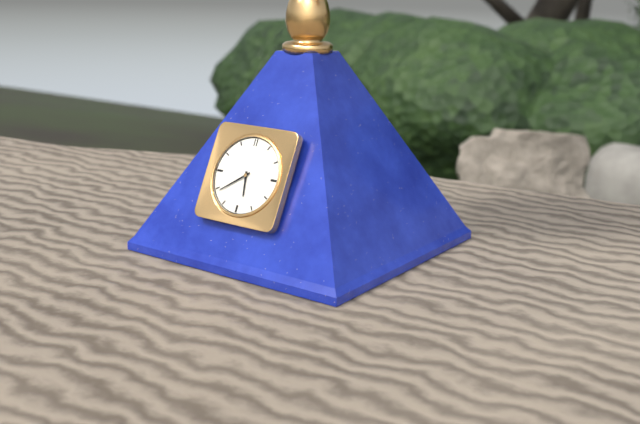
5.39
